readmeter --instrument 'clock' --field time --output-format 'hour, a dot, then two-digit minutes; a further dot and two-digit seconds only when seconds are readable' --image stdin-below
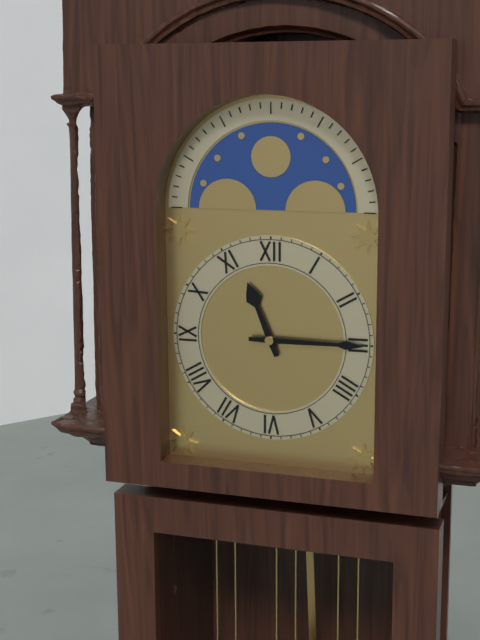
11.15
